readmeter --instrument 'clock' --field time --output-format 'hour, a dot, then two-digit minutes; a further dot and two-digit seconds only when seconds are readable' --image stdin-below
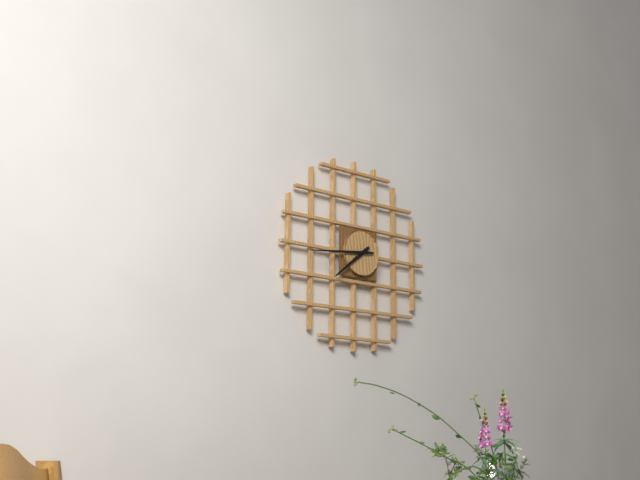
7.44
